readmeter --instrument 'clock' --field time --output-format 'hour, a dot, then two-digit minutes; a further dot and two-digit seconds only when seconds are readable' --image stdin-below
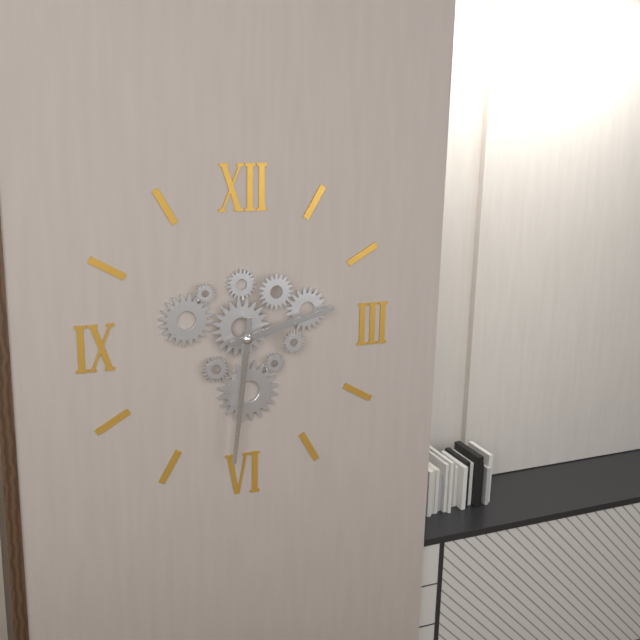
2.31
